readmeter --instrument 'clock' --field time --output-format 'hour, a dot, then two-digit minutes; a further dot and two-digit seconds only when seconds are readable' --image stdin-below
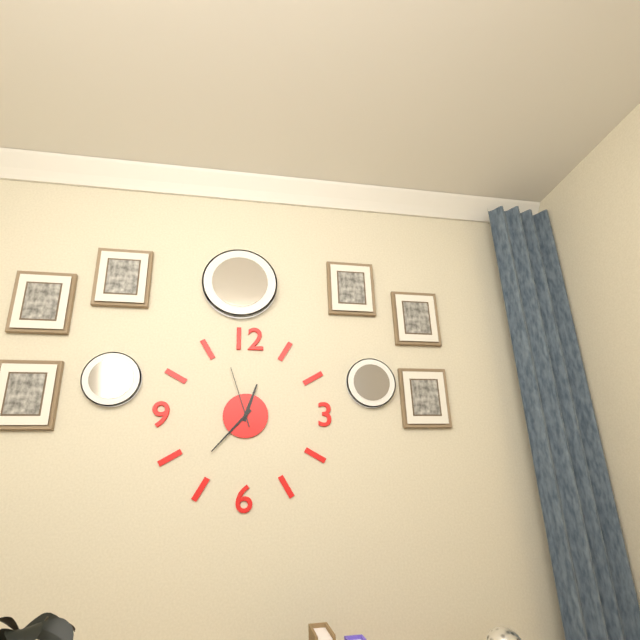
12.37.57
